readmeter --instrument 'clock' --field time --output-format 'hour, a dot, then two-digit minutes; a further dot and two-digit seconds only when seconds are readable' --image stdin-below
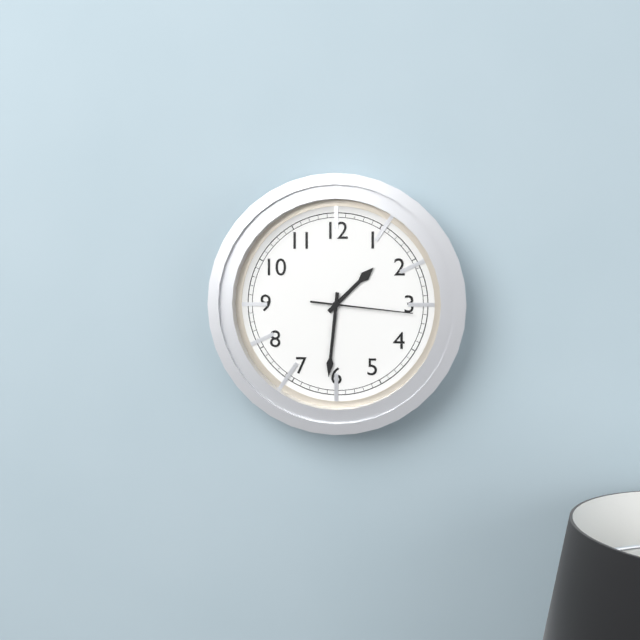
1.31.16
